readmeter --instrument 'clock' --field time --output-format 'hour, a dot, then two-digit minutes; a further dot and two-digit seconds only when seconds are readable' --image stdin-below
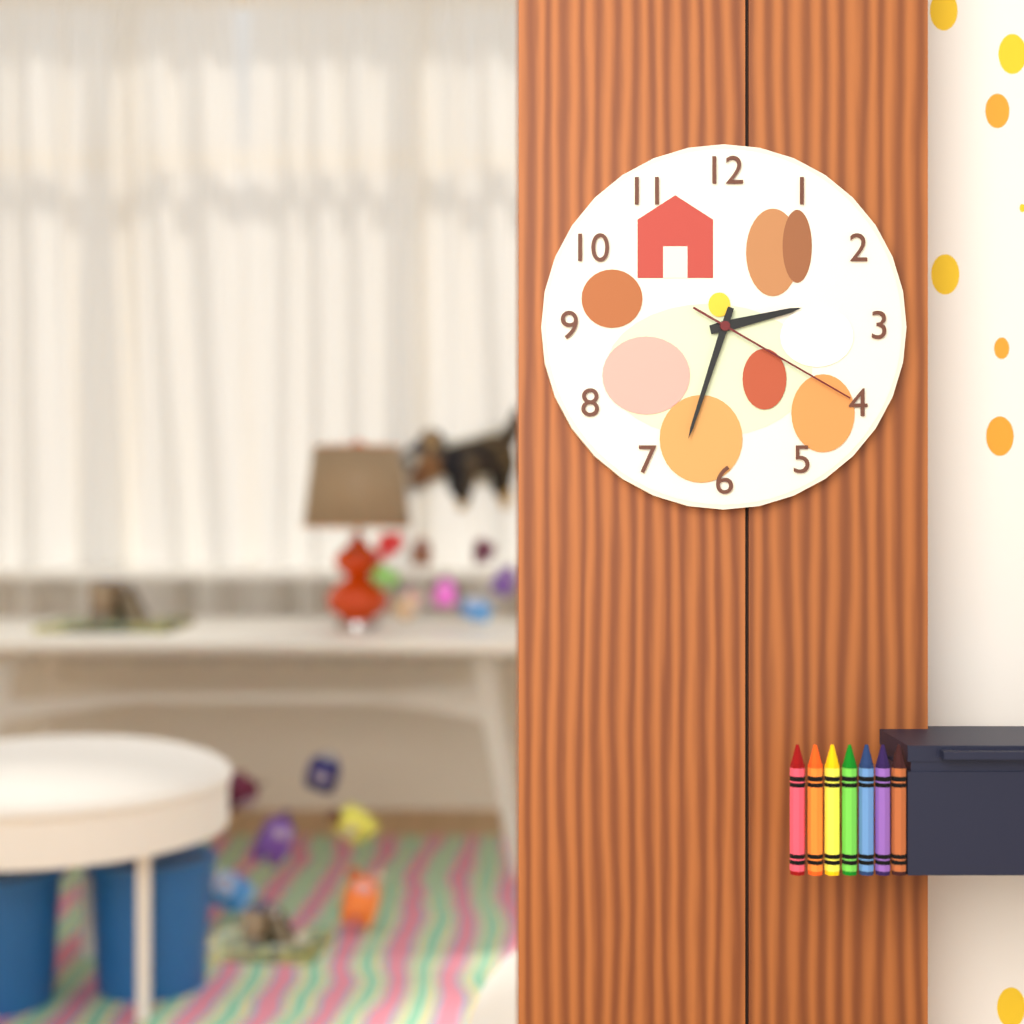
2.33.20
